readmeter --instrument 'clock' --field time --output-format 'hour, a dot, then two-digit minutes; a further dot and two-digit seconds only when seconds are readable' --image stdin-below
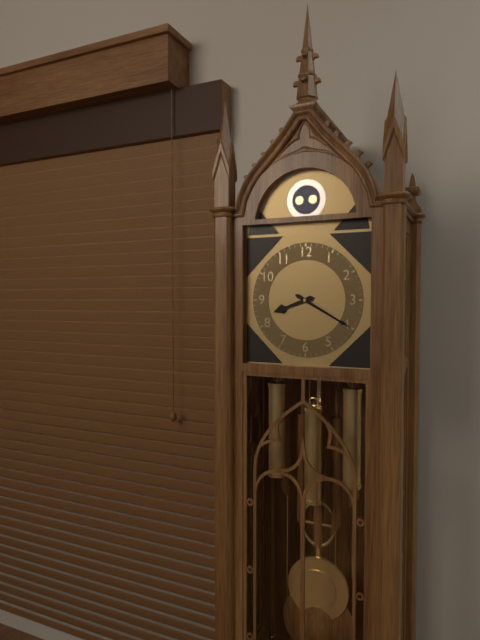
8.20
